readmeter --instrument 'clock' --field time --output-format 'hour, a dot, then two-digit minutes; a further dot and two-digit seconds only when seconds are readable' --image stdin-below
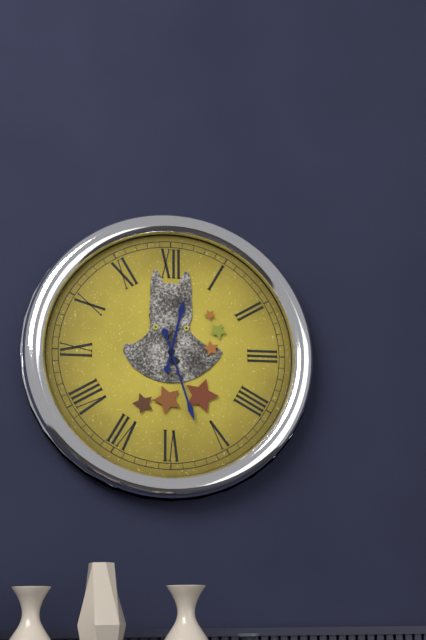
12.27
